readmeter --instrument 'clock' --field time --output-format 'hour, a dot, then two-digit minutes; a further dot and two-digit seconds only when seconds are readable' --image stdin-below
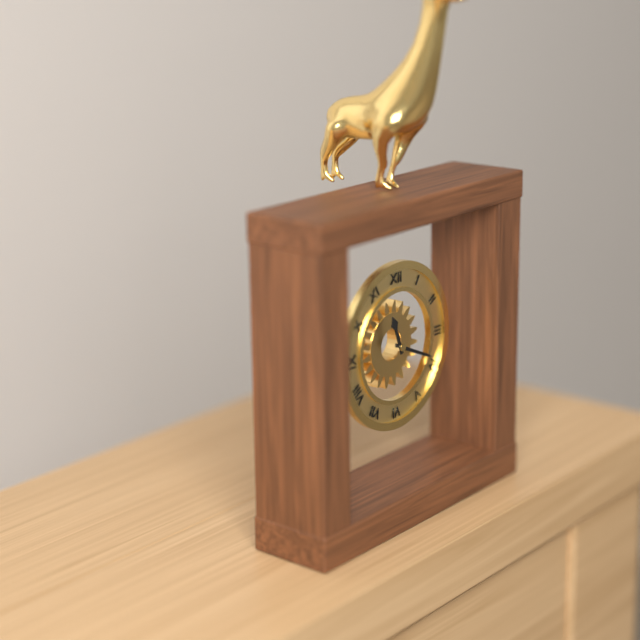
11.19
